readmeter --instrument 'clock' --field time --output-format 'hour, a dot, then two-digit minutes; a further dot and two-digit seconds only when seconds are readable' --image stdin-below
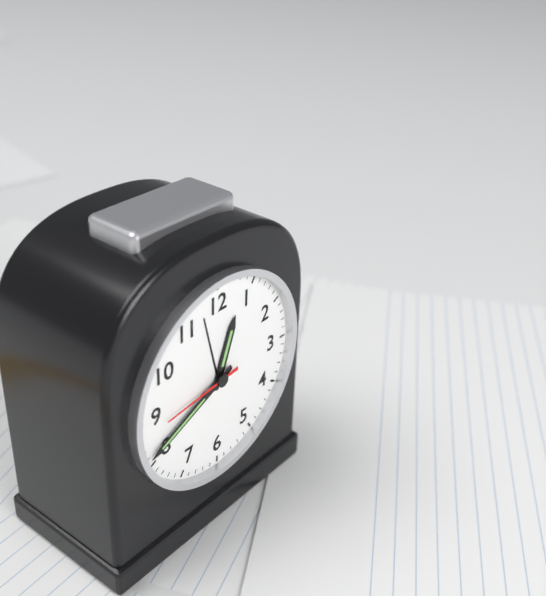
12.41.44
